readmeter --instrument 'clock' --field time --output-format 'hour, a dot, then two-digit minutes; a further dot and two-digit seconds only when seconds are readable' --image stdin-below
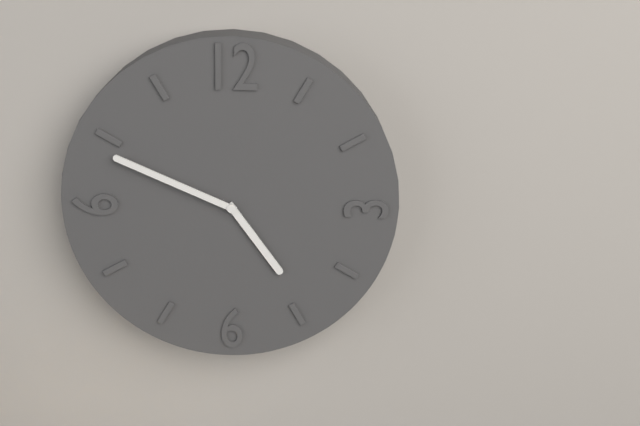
4.49
